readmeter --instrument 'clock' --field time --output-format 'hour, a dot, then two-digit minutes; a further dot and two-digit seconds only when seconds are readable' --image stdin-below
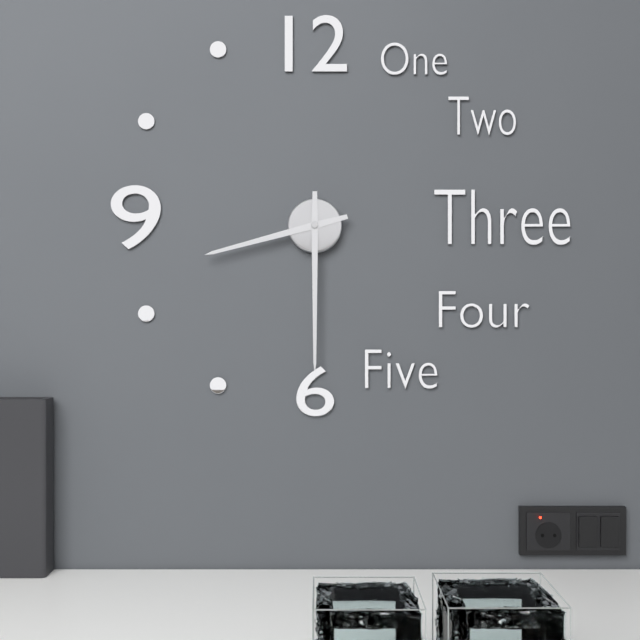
8.30
